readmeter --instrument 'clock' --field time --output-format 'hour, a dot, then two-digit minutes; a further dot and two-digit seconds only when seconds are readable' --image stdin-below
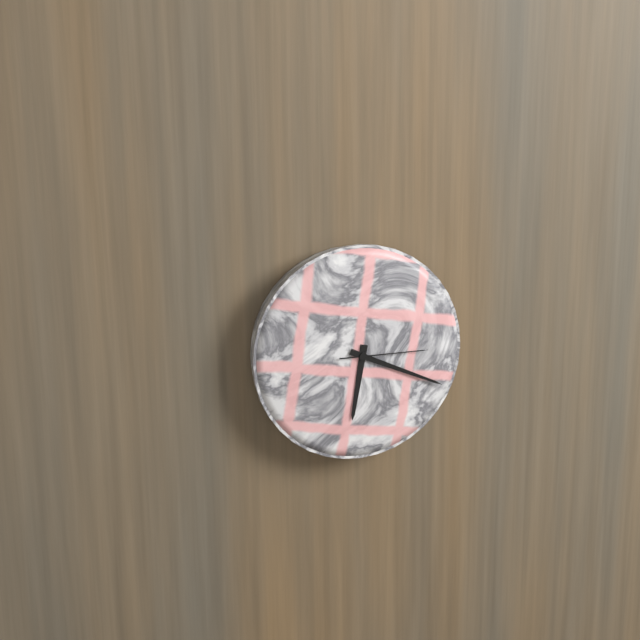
6.19.15
